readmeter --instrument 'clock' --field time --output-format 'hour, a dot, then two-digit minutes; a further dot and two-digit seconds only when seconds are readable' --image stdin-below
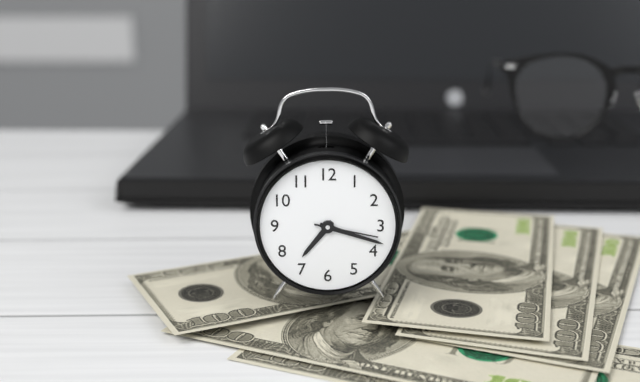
7.18.17
